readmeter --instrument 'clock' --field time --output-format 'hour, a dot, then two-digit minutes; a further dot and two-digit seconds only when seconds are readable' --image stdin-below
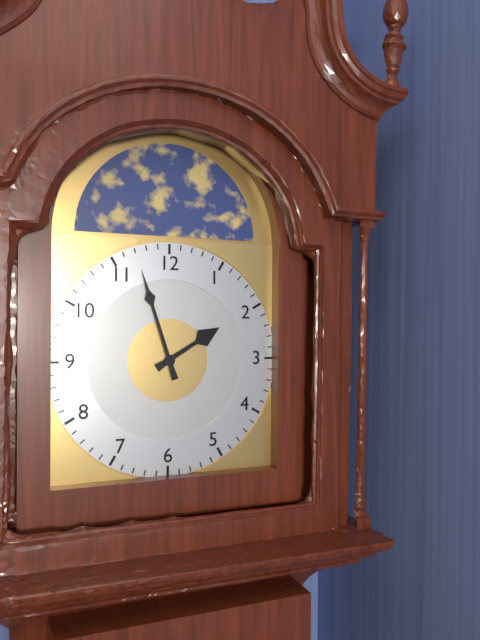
1.57
